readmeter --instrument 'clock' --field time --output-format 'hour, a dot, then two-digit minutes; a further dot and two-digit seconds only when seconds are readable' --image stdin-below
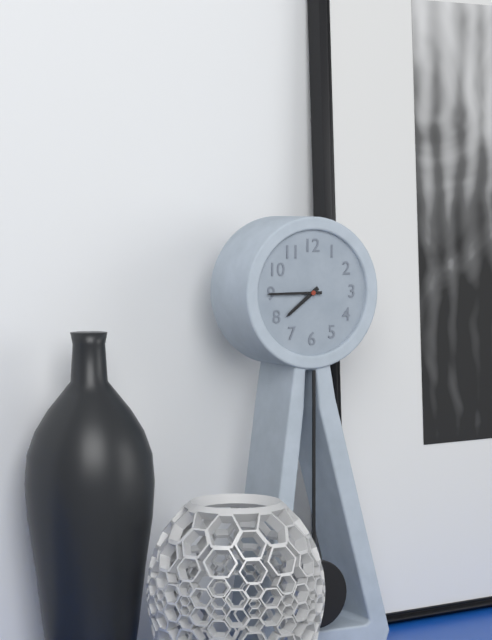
7.45
